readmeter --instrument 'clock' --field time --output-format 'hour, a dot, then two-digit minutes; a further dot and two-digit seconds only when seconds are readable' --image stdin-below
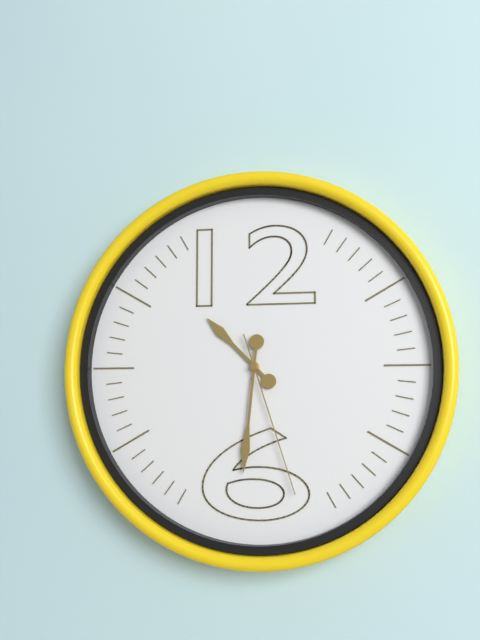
10.31.27
